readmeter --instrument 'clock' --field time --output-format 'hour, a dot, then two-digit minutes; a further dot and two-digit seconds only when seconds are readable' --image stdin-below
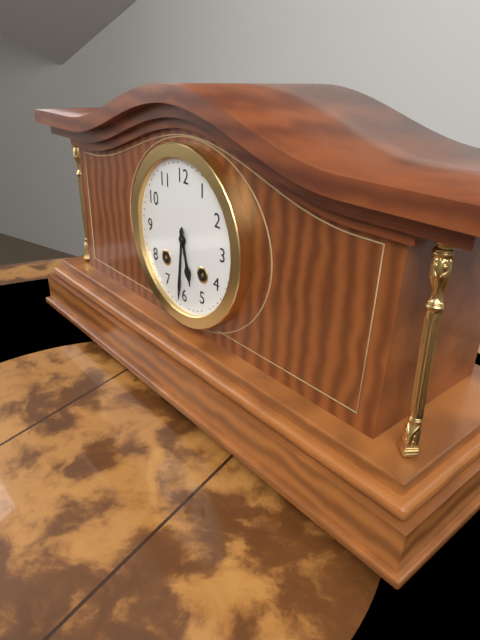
5.31
